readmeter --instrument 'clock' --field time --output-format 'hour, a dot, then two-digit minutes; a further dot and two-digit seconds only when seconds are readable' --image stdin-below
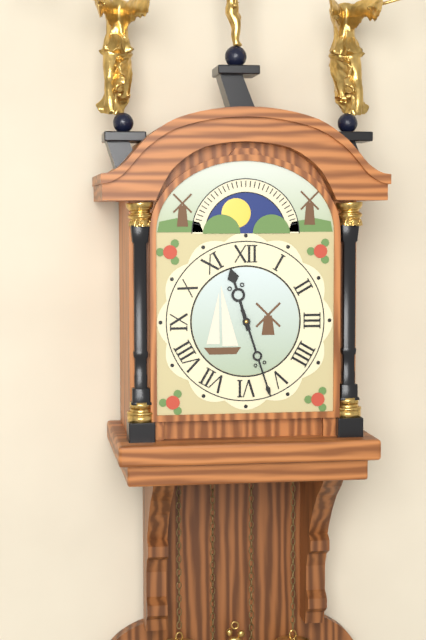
11.27
